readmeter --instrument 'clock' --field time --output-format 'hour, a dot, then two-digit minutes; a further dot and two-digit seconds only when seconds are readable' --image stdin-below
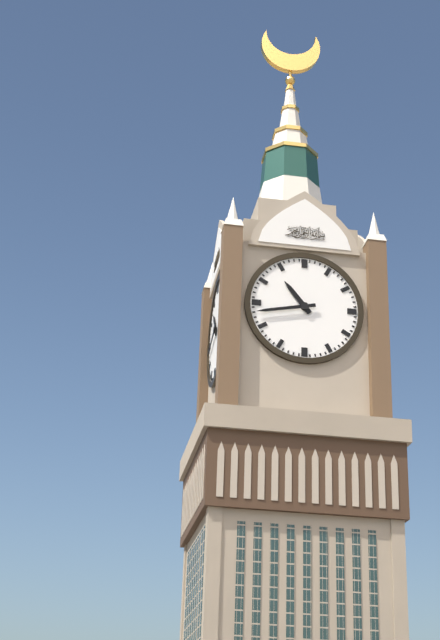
10.43
